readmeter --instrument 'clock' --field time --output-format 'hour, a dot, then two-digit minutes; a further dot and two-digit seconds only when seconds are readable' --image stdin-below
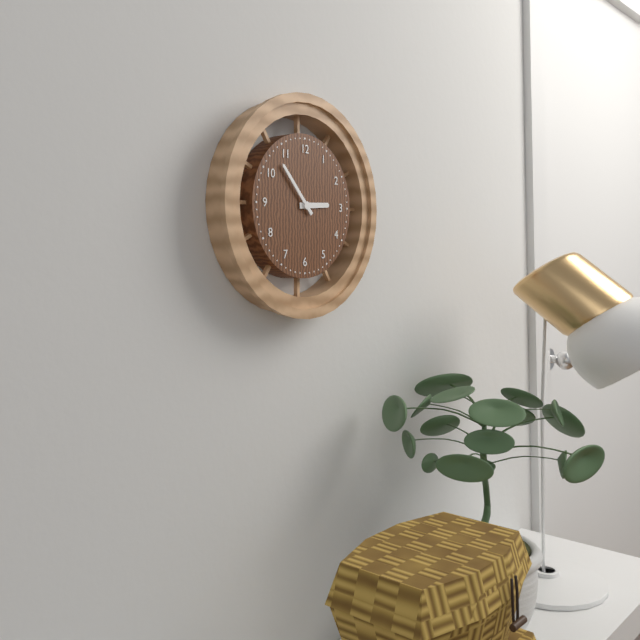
2.53
